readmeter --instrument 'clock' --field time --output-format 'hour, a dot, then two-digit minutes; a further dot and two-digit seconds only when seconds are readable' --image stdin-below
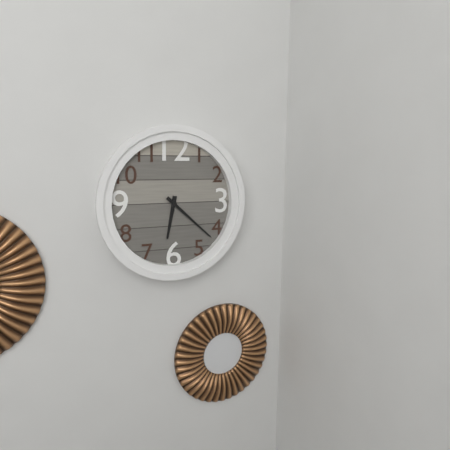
6.22
